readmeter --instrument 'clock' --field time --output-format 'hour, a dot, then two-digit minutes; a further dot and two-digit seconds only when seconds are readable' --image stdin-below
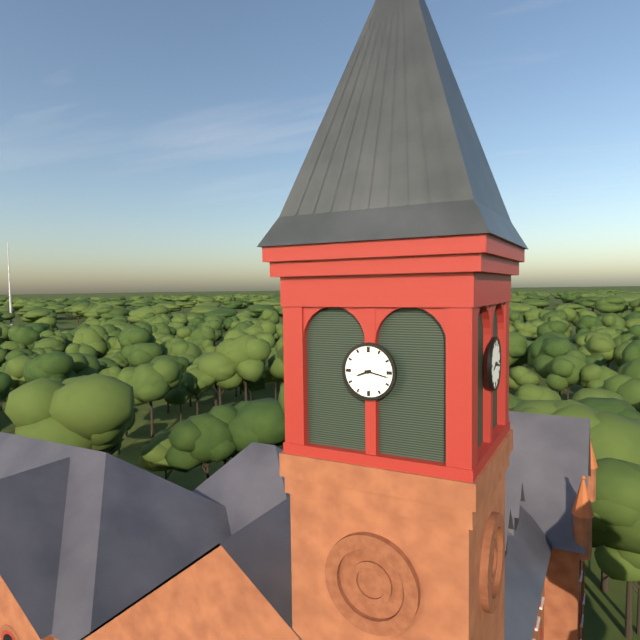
8.17
